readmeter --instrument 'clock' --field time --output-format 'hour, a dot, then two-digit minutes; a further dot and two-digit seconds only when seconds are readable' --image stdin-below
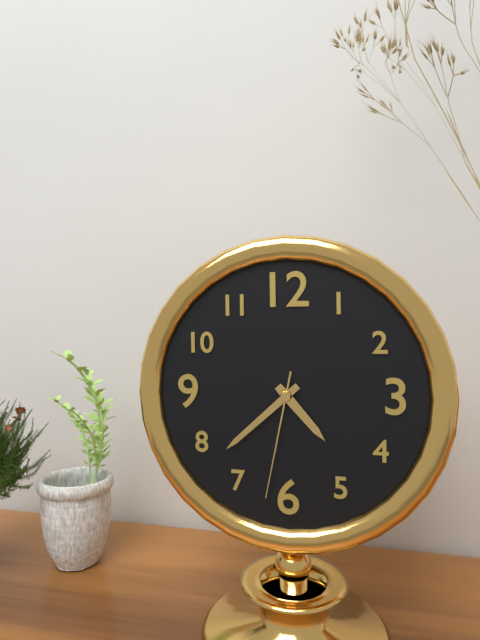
4.38.32
